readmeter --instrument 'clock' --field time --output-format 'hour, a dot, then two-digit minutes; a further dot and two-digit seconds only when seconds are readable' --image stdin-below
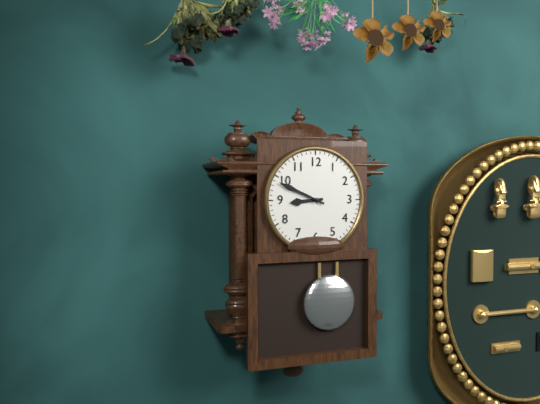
8.49
